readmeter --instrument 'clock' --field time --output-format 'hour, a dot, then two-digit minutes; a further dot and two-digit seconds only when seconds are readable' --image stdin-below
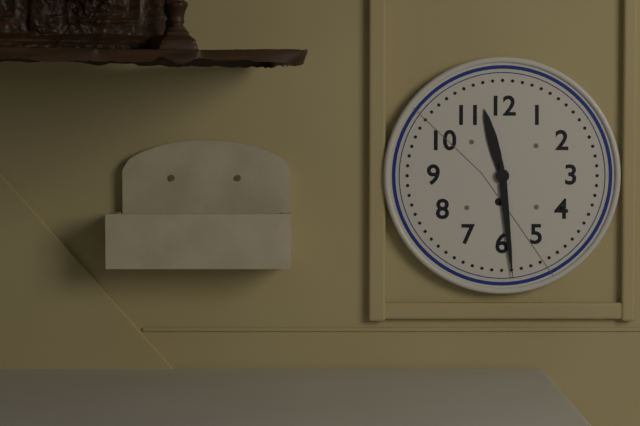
11.29
